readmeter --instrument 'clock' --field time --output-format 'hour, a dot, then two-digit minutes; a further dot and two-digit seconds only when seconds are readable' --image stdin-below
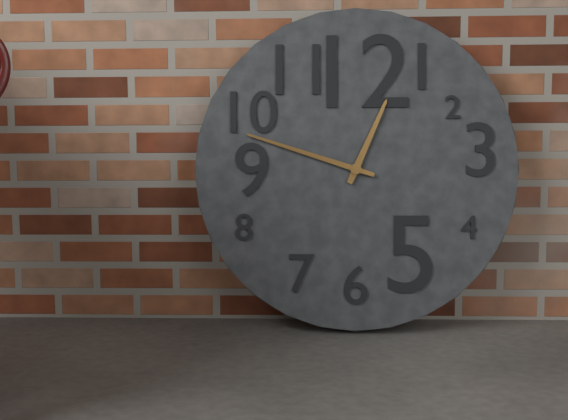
12.48
